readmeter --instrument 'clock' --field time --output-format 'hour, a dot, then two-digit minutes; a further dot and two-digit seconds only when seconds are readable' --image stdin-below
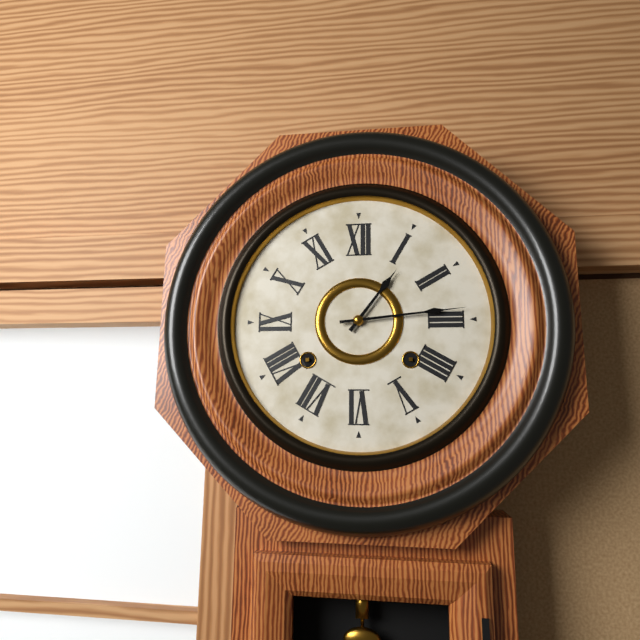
1.14
